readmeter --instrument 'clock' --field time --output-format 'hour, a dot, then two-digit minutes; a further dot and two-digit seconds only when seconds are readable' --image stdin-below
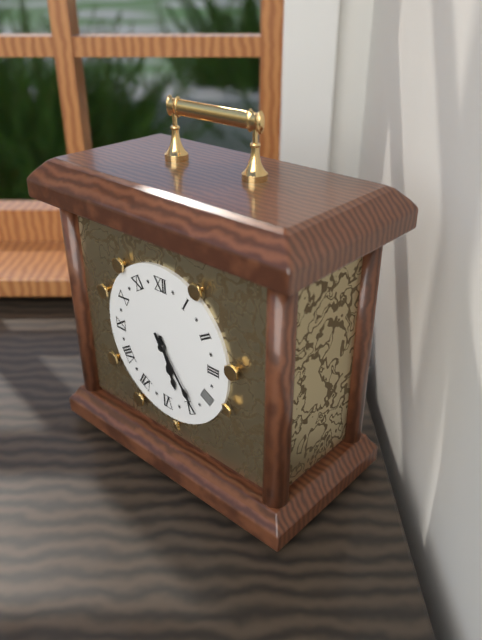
5.24
